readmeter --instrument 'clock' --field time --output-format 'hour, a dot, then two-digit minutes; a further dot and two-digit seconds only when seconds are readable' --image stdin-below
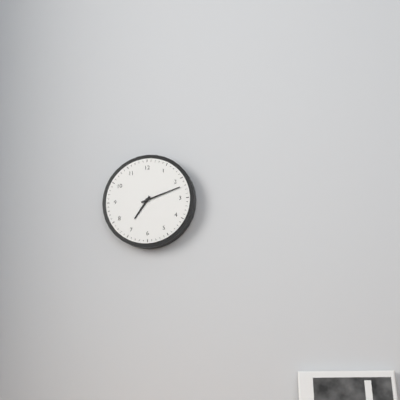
7.12
